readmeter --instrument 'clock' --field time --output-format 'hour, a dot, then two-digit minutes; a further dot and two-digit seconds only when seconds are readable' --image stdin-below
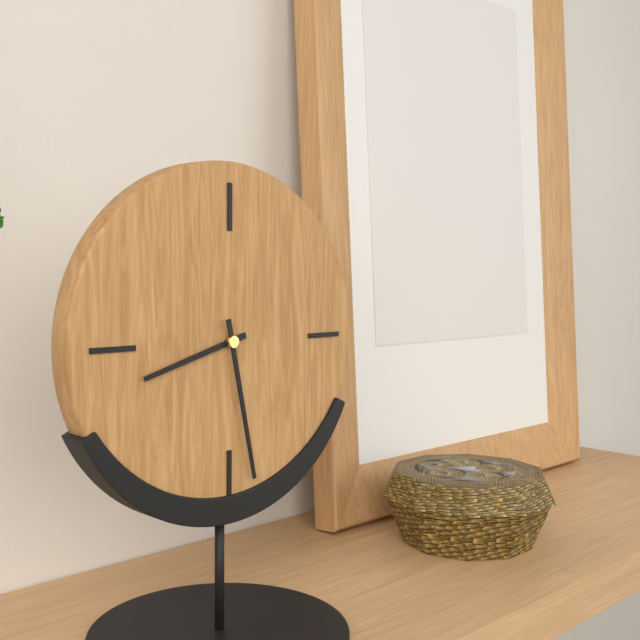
8.28
